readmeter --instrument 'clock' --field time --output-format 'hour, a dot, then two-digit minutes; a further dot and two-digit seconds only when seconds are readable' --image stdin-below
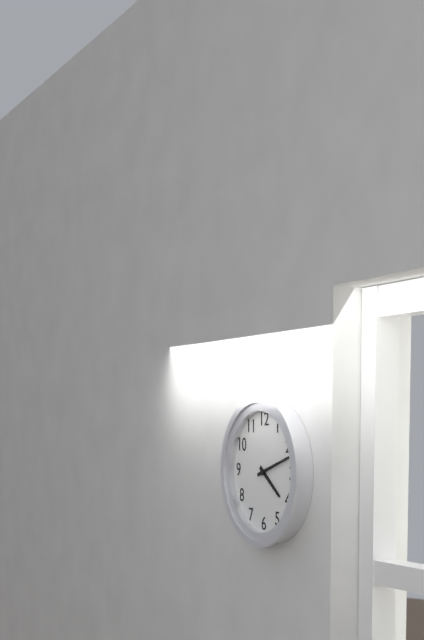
4.12
